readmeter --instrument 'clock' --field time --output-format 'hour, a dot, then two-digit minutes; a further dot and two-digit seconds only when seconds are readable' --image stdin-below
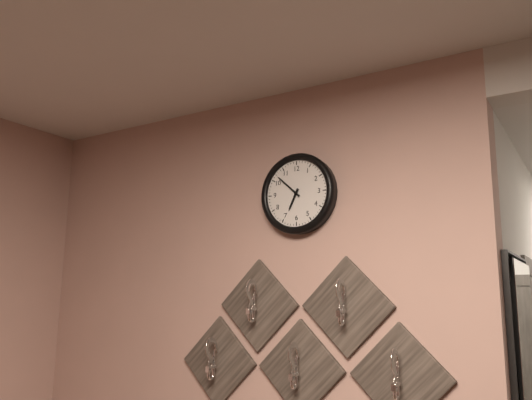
6.52
